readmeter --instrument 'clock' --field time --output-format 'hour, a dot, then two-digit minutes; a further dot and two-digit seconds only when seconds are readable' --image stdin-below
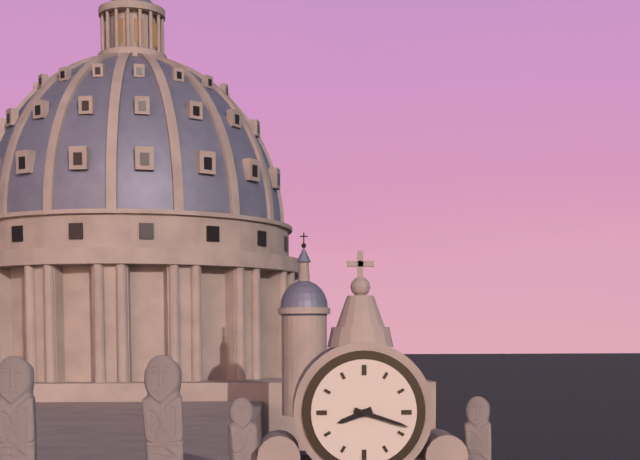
8.18
